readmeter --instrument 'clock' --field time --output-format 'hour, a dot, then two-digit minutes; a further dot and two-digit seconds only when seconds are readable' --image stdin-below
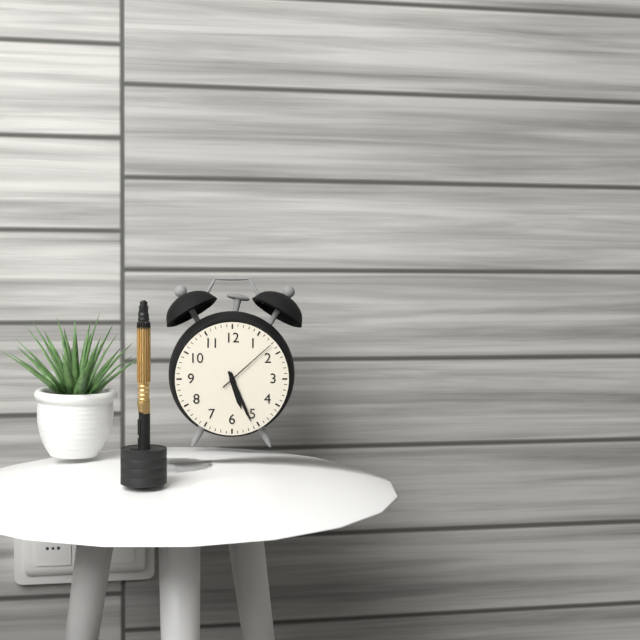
5.26.08
